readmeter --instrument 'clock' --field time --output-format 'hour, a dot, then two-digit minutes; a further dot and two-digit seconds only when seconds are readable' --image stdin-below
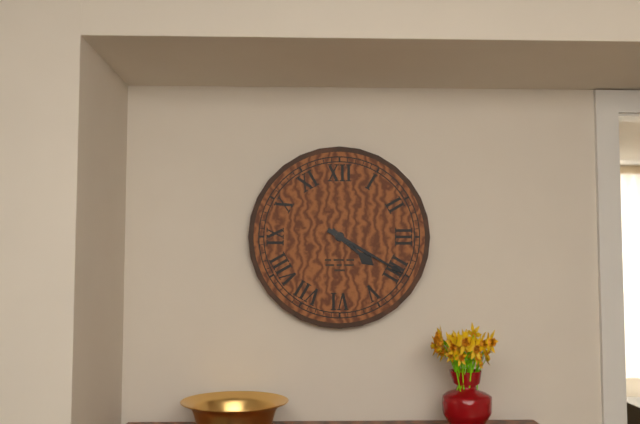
4.20
